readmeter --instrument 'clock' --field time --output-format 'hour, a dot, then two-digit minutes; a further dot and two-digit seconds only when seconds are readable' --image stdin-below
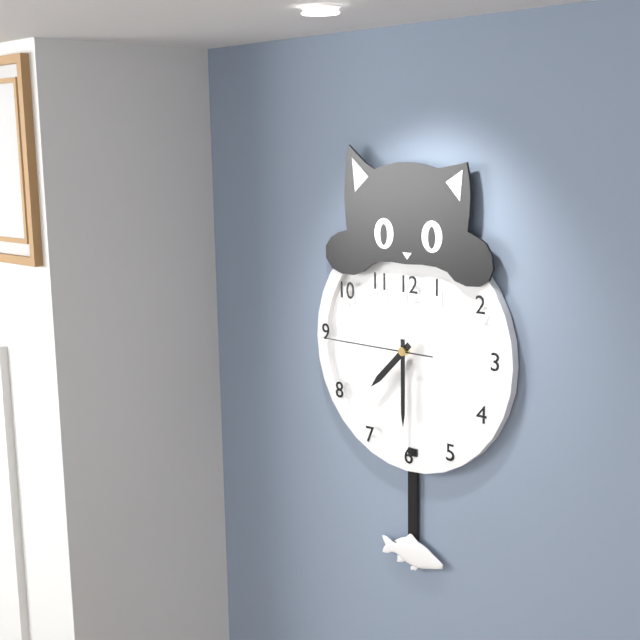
7.30.45
